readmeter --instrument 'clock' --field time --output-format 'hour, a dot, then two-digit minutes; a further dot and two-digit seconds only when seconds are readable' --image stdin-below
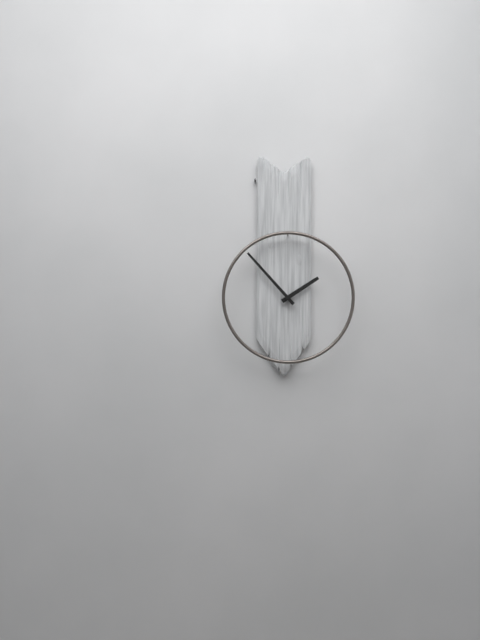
1.53
